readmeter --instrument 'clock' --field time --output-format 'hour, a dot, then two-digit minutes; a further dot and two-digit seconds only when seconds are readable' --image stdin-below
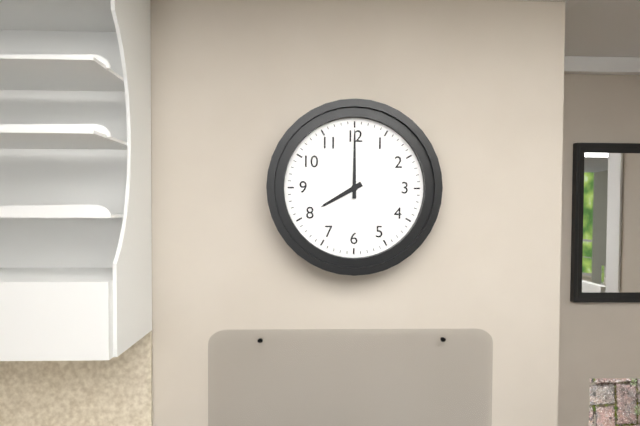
8.00
